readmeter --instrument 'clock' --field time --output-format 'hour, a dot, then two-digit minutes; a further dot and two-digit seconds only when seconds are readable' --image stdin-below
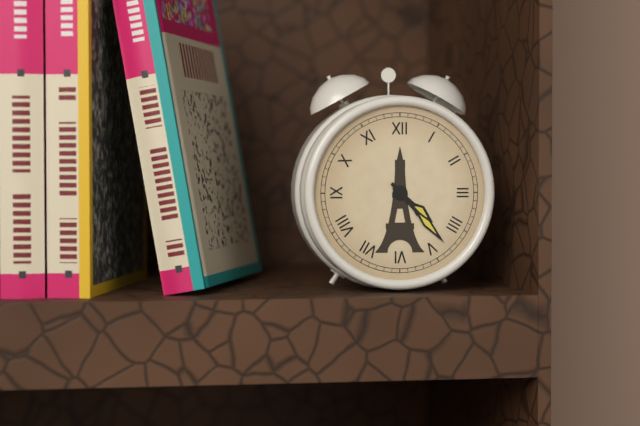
4.23
